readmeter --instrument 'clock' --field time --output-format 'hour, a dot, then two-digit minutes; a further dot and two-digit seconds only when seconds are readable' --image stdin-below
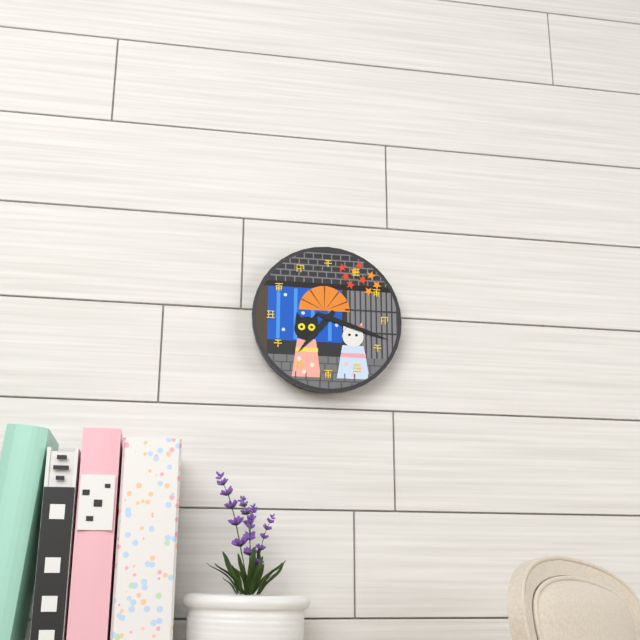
7.18
